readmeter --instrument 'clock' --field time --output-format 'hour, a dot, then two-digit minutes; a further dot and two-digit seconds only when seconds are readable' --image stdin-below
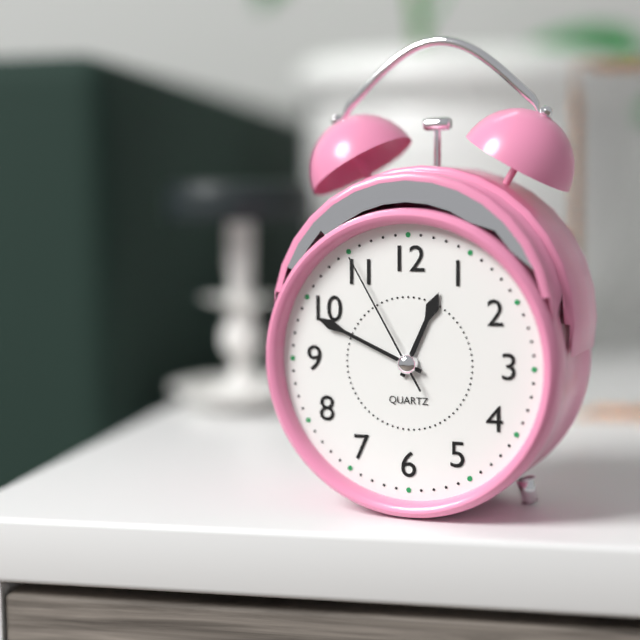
12.49.55
